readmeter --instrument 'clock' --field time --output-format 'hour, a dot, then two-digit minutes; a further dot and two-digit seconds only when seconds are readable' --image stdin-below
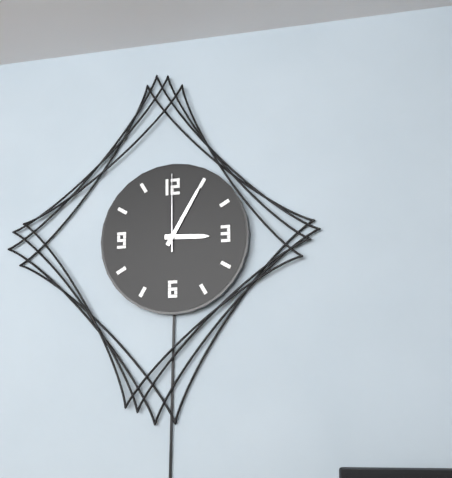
3.05.00
